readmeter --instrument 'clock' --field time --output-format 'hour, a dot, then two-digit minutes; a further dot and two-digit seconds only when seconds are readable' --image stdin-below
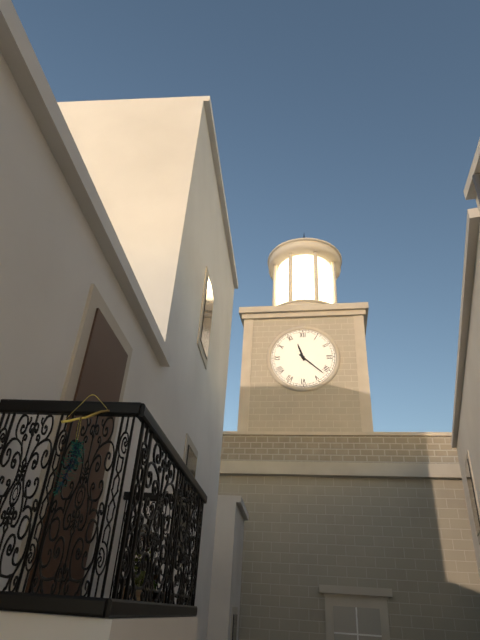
11.22
